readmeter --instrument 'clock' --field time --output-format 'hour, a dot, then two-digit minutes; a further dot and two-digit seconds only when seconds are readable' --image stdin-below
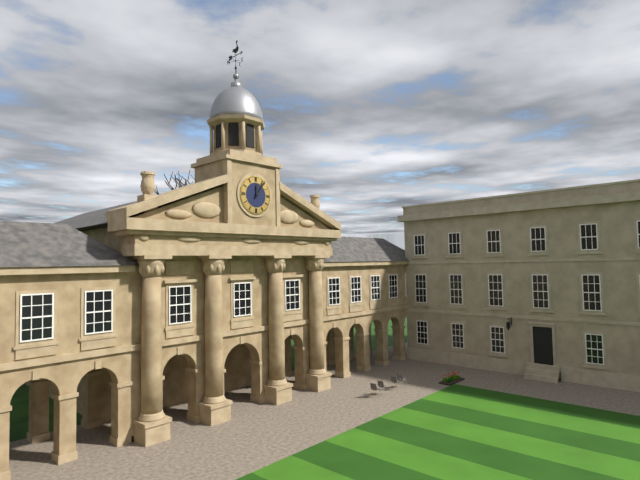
12.06
